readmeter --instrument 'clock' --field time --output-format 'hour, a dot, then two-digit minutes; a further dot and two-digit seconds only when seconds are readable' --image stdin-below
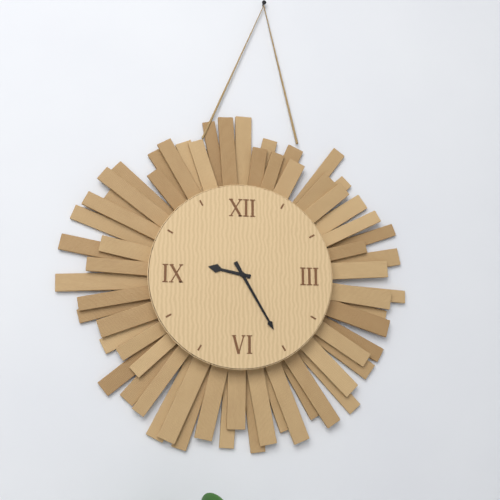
9.25
